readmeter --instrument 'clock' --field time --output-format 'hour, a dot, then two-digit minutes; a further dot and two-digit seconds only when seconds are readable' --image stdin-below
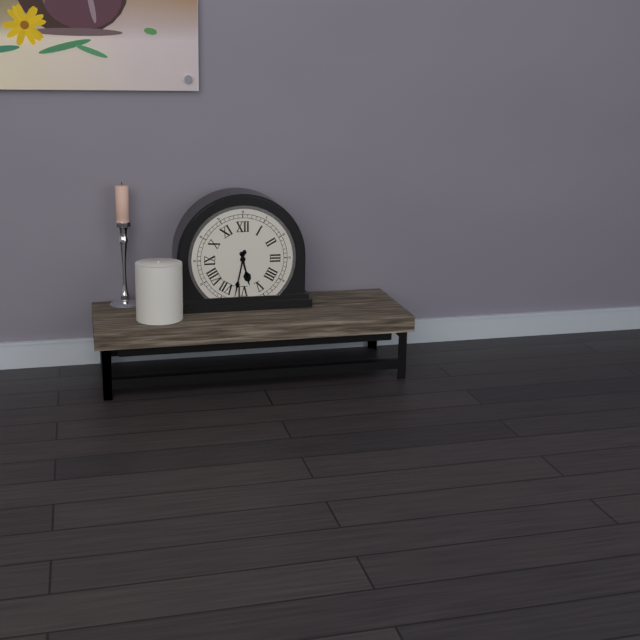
5.32
